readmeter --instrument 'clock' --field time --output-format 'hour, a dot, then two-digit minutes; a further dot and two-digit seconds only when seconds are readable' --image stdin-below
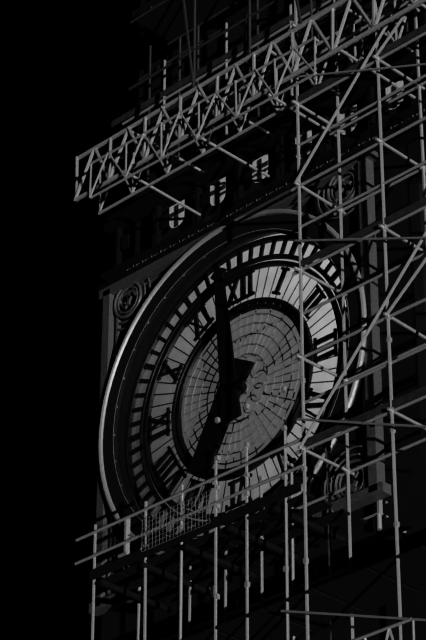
6.59
